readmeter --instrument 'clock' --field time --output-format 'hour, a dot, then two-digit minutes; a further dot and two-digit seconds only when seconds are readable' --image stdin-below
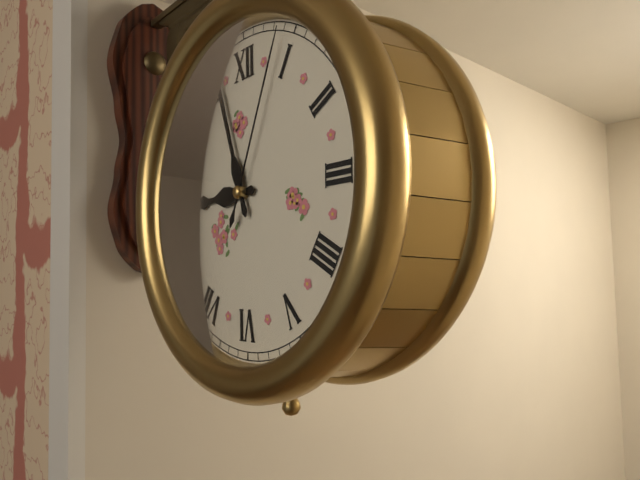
8.57.04
